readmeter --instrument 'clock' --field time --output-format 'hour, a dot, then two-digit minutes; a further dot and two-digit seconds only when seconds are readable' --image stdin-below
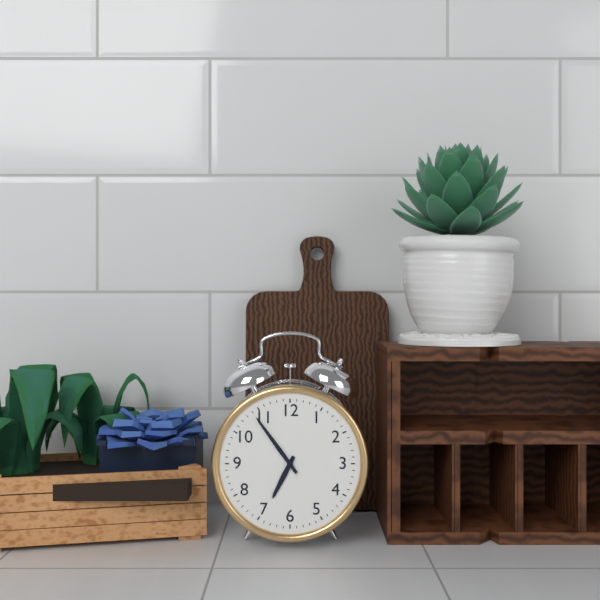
6.54
